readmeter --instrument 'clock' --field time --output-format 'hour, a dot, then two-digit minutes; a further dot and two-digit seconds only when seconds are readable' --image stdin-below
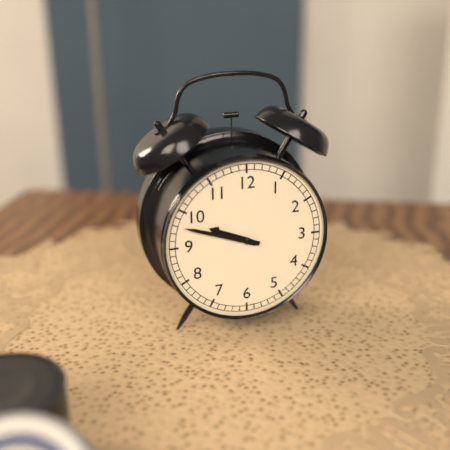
9.48
